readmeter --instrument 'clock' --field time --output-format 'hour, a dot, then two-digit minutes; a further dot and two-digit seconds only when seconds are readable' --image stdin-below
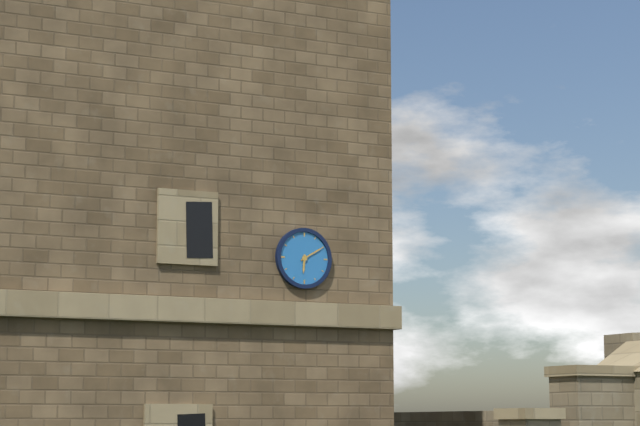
6.10
